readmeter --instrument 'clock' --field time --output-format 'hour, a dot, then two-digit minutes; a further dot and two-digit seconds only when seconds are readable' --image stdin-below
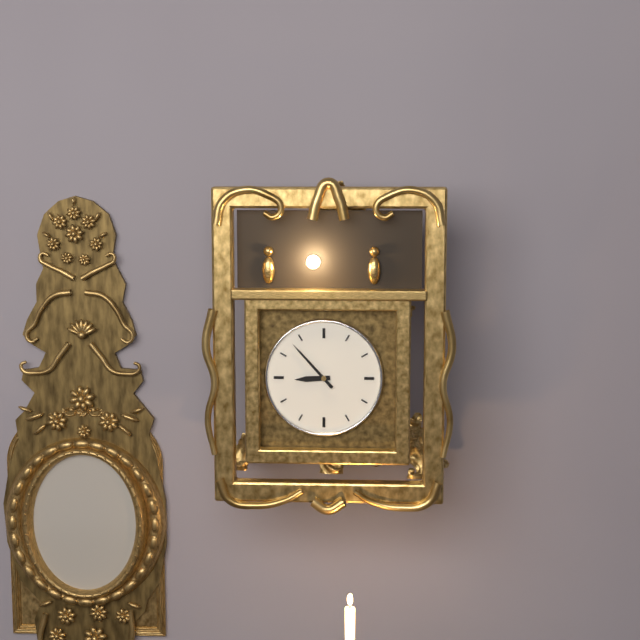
8.53
